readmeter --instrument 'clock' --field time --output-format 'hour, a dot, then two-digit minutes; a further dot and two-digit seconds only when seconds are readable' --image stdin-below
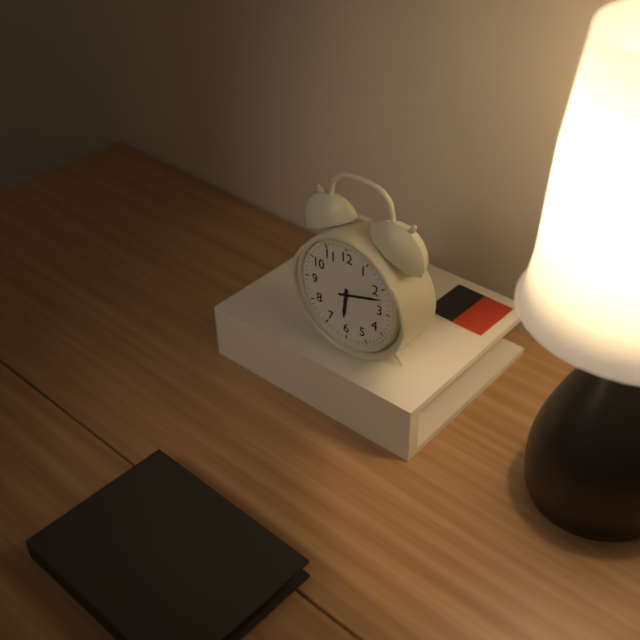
6.12
